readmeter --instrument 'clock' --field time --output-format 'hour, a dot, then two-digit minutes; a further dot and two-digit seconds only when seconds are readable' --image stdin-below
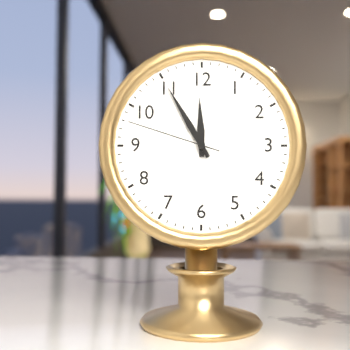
11.55.48
